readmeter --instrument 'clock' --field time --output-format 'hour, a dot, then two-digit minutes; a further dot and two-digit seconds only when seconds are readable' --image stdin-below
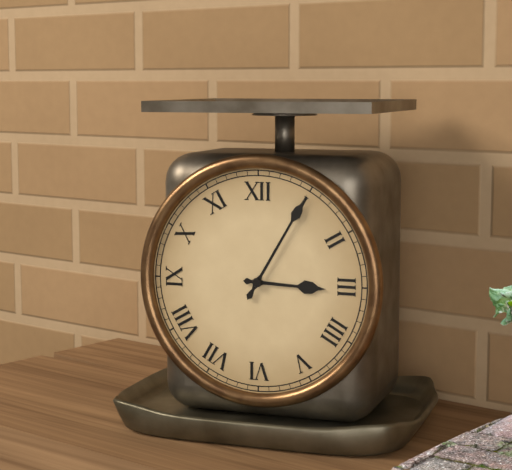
3.05
